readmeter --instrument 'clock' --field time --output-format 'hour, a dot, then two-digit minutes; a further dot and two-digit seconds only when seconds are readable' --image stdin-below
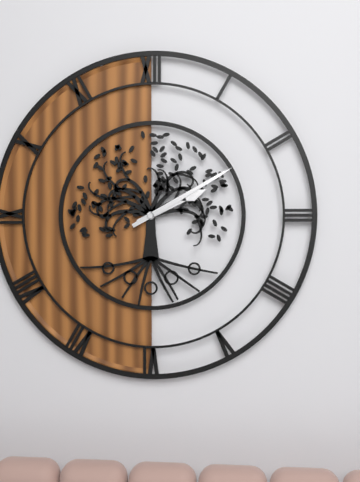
2.10
